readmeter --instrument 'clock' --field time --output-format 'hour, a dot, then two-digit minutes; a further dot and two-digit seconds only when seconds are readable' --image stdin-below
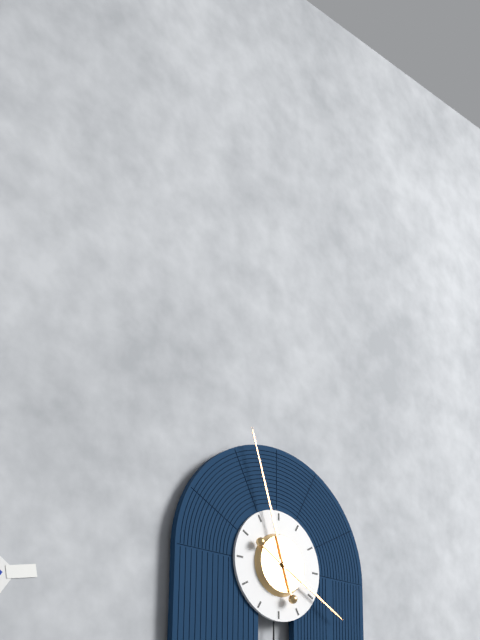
3.57
